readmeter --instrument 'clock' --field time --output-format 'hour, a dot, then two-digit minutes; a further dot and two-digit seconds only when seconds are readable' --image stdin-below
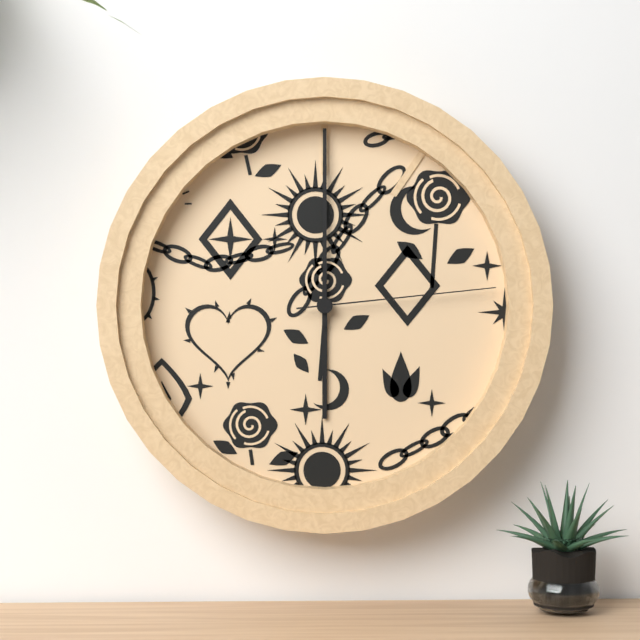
6.00.14
